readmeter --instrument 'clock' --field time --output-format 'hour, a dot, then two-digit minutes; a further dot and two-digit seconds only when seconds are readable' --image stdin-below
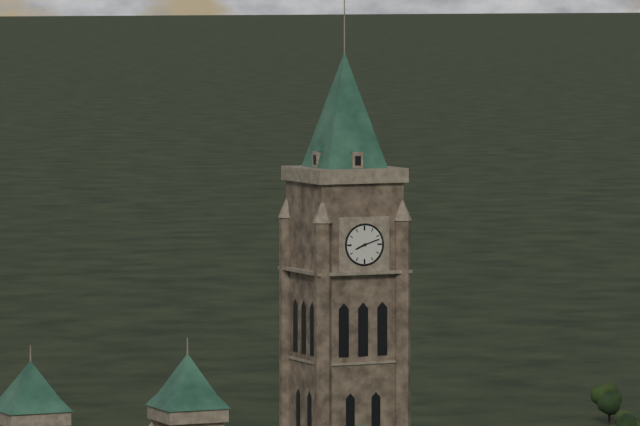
8.12
